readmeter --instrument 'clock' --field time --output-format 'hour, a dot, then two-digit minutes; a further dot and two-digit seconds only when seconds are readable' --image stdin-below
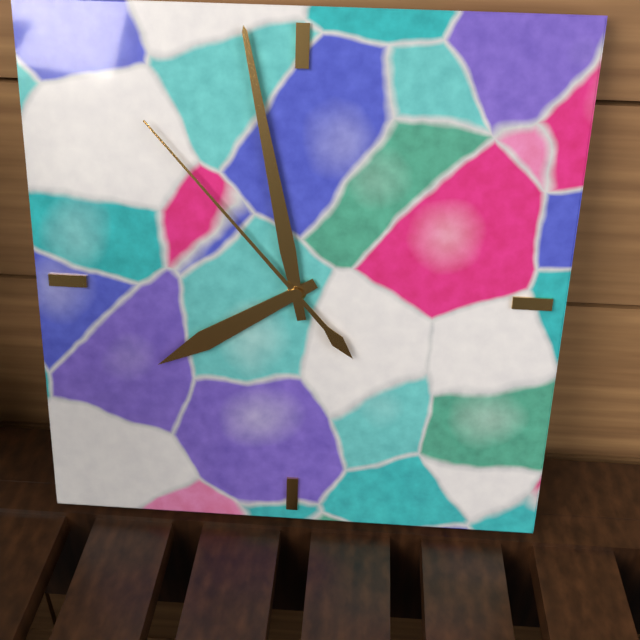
7.58.53
